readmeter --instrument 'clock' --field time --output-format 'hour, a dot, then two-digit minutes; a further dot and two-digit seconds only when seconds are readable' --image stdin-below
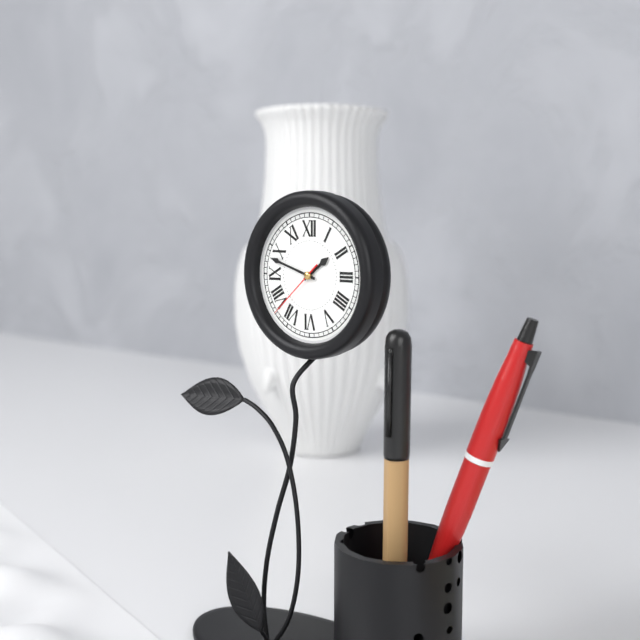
1.48.38
